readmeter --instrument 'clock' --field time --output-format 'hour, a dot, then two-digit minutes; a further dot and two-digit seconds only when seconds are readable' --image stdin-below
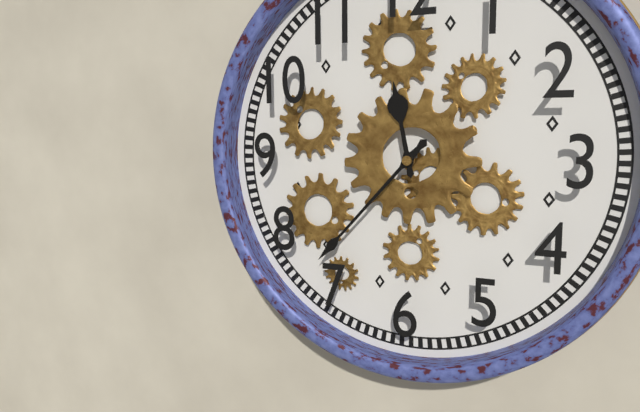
11.37
